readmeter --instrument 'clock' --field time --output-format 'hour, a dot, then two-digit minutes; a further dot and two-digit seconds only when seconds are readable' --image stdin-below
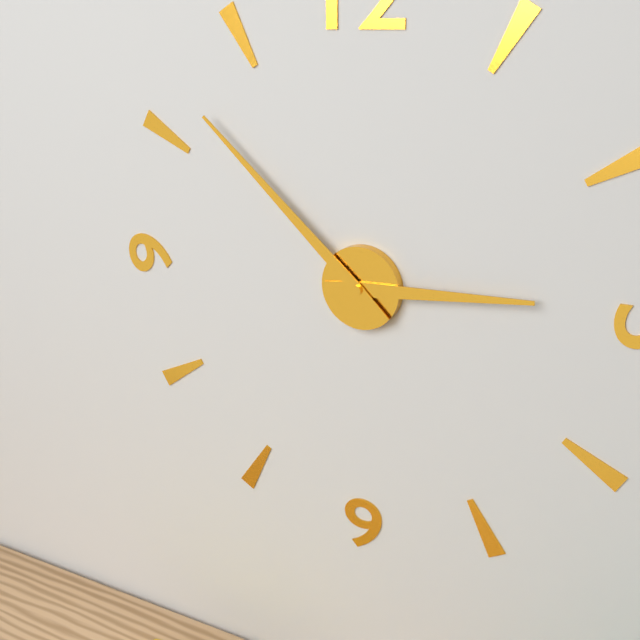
2.52
